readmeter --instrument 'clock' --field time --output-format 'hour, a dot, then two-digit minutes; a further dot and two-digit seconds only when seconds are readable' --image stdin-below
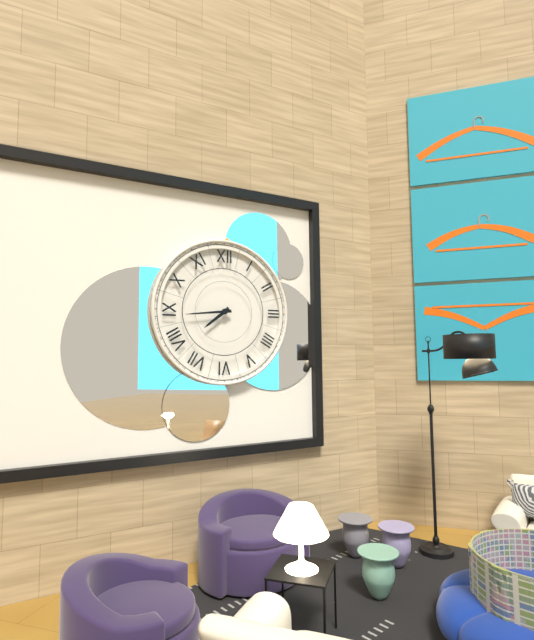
7.44
